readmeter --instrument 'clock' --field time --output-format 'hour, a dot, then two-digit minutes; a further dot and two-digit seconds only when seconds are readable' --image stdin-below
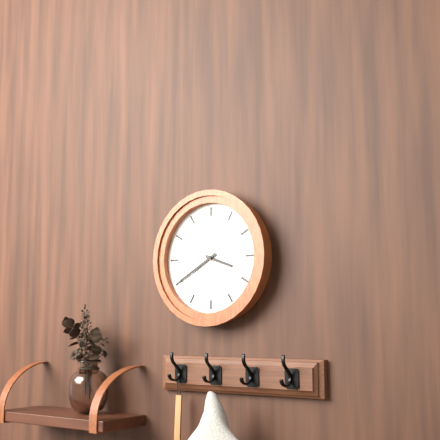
3.40.24
